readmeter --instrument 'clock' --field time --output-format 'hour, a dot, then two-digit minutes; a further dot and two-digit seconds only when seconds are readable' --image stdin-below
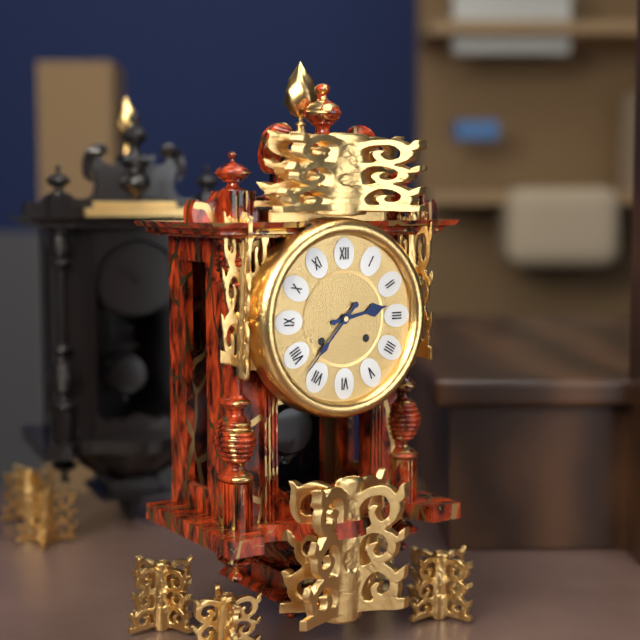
2.37
